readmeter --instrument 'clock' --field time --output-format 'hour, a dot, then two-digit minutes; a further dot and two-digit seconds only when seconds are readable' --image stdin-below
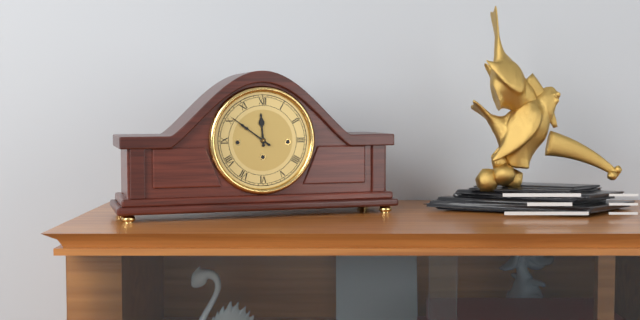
11.51
